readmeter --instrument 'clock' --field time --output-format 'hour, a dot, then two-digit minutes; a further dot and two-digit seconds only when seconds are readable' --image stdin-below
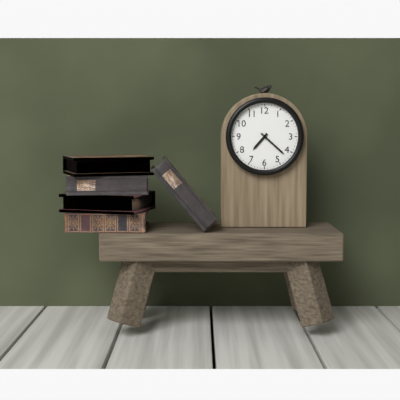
7.22
